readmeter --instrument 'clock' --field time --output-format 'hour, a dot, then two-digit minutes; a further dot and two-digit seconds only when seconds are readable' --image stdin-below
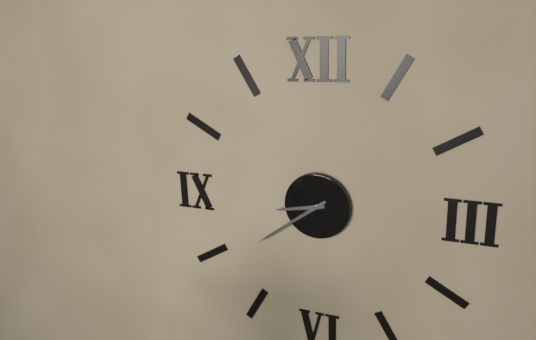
8.39
